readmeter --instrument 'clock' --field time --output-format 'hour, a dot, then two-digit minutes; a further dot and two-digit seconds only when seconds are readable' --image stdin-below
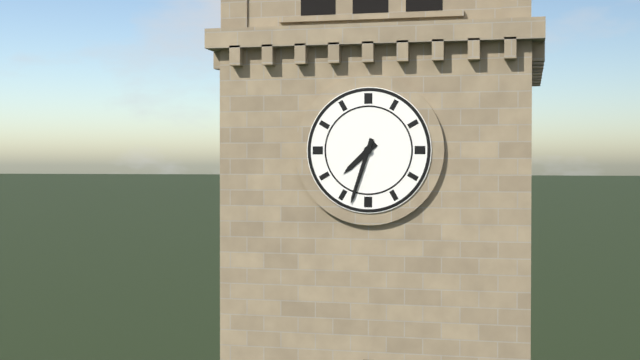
7.33
